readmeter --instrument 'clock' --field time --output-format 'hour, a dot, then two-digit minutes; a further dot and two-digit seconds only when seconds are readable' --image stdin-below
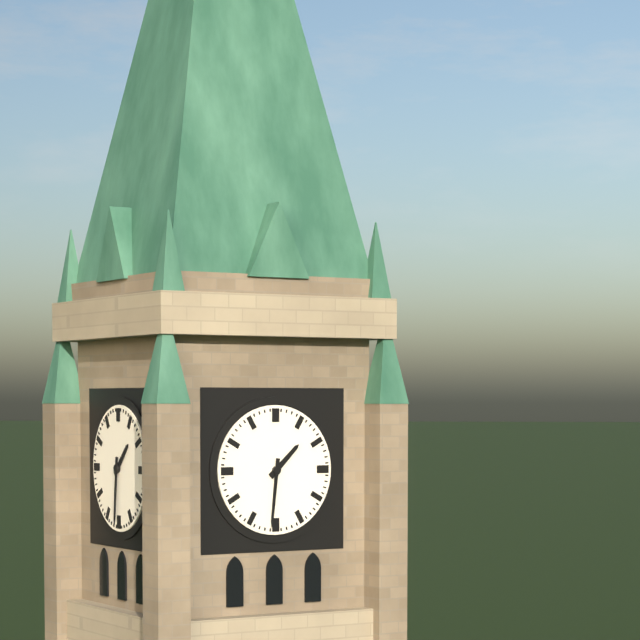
1.31
